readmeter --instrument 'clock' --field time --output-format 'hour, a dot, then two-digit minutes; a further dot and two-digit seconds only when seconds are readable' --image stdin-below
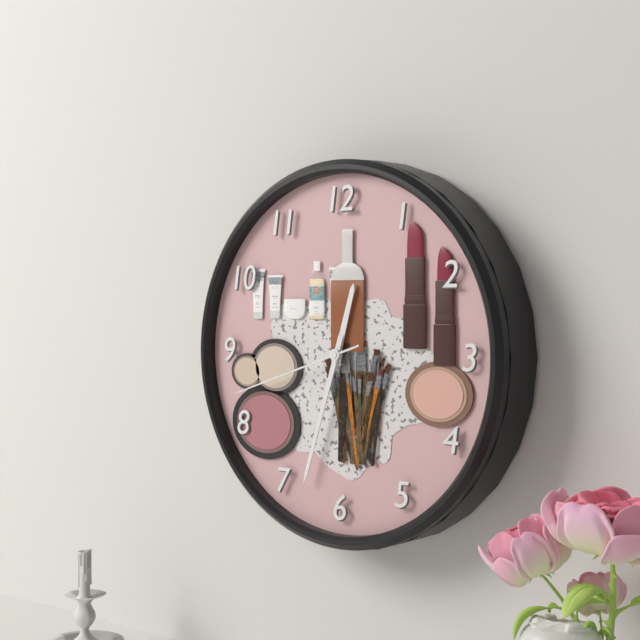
12.33.42
